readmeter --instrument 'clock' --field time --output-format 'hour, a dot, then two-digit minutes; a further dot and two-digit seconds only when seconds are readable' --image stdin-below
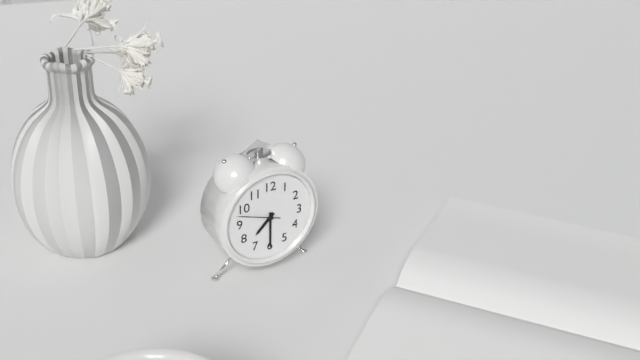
7.30
